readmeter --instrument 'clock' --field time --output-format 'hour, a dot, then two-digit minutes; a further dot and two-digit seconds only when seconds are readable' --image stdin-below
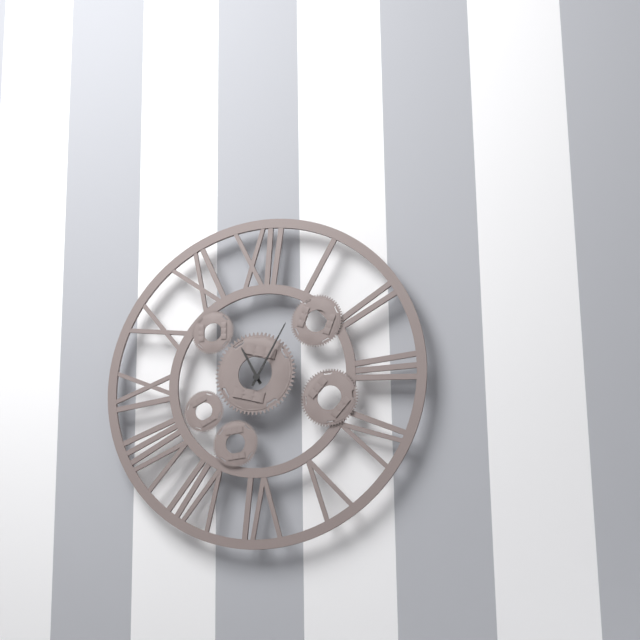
11.05
